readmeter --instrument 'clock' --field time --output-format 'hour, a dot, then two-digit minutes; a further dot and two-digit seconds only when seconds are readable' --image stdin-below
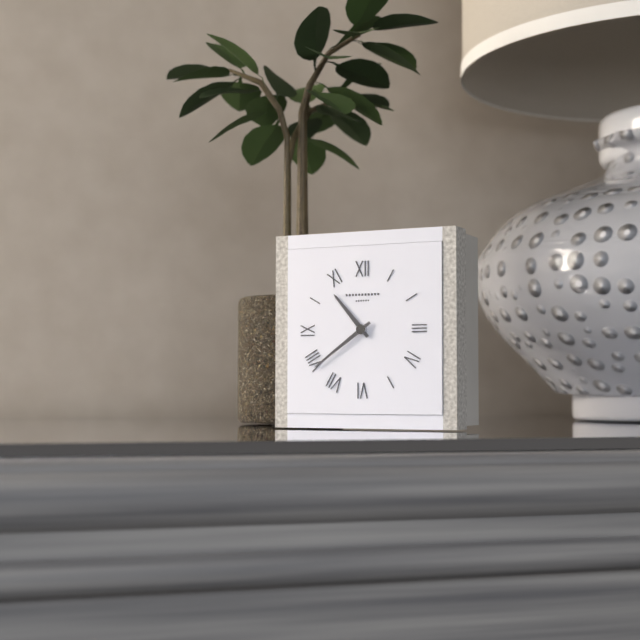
10.39
